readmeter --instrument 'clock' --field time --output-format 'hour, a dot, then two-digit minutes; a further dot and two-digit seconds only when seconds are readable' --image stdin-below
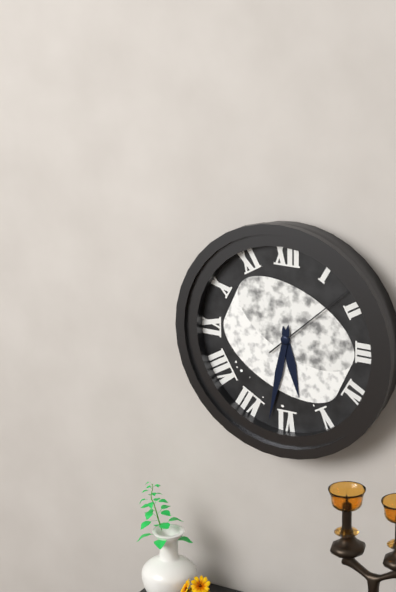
5.32.08
